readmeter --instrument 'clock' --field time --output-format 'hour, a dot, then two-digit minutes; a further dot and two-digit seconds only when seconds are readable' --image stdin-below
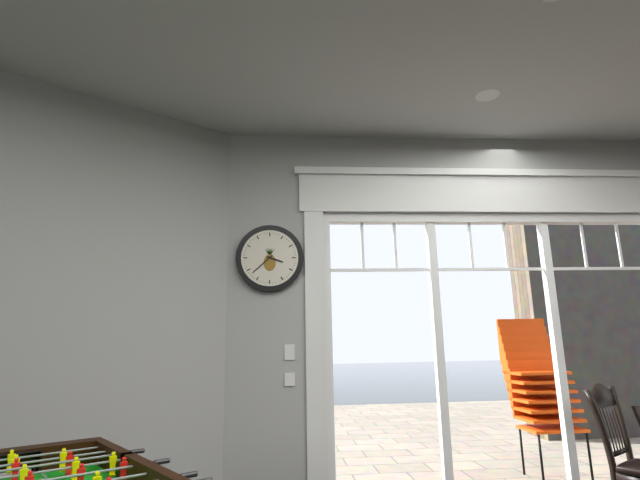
3.38
